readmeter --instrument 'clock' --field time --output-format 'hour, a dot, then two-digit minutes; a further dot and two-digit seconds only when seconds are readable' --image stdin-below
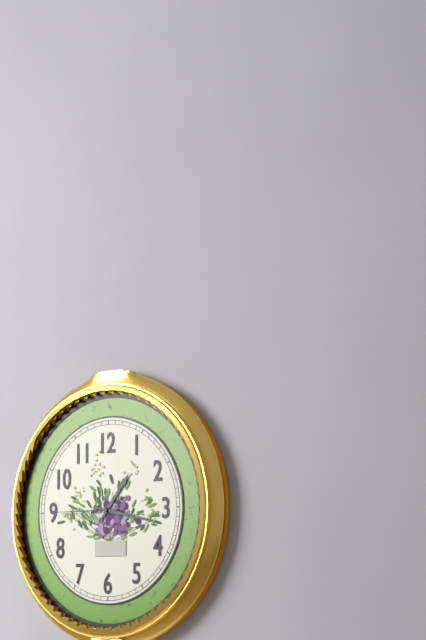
1.17.45
